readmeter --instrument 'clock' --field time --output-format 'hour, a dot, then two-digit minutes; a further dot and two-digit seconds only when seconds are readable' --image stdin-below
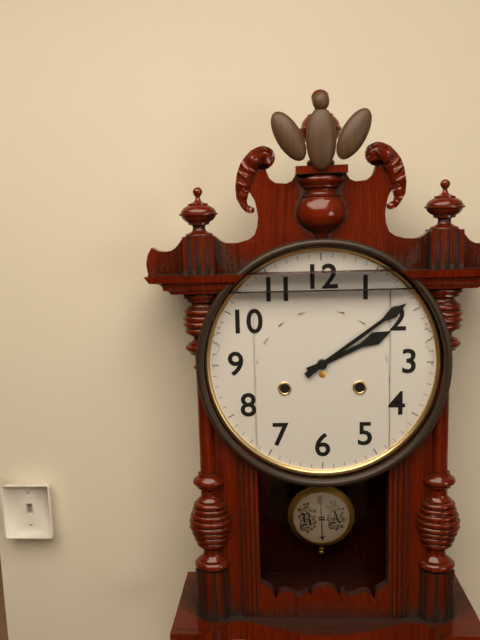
2.09
